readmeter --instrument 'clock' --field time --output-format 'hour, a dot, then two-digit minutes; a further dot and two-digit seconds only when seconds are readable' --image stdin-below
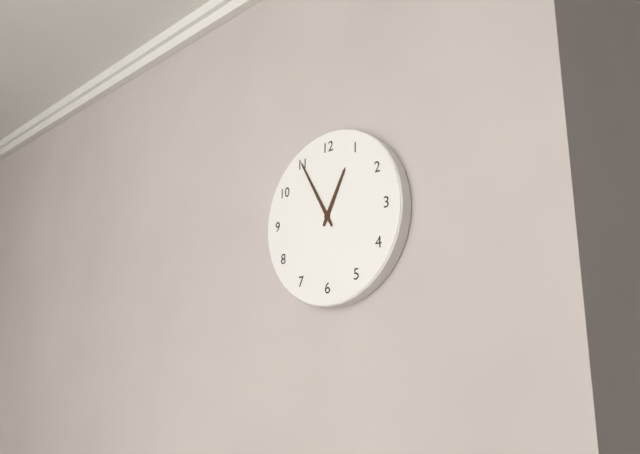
12.55
